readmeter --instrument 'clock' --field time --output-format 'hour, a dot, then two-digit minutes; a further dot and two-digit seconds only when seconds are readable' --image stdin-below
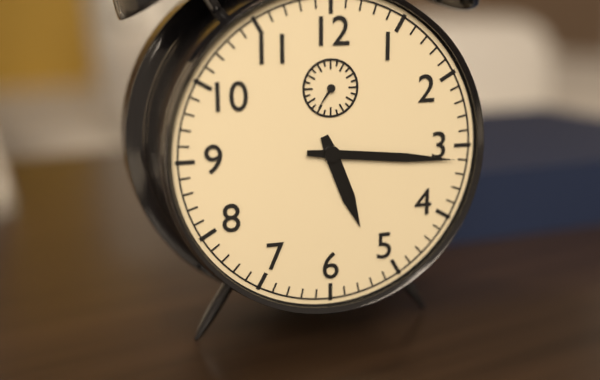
5.16
